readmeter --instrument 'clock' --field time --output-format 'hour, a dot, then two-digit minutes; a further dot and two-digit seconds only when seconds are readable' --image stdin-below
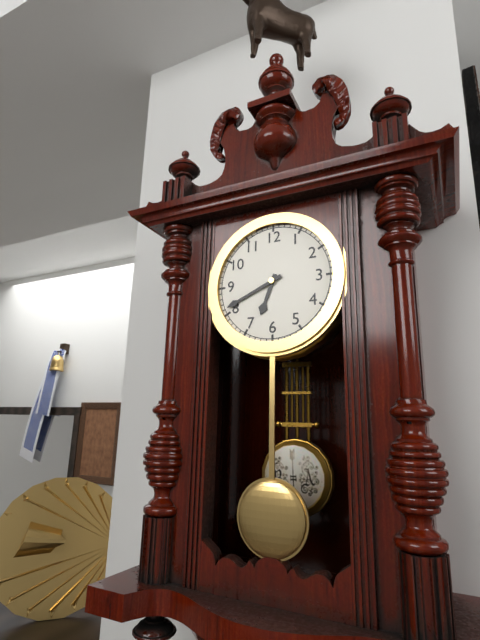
6.41
